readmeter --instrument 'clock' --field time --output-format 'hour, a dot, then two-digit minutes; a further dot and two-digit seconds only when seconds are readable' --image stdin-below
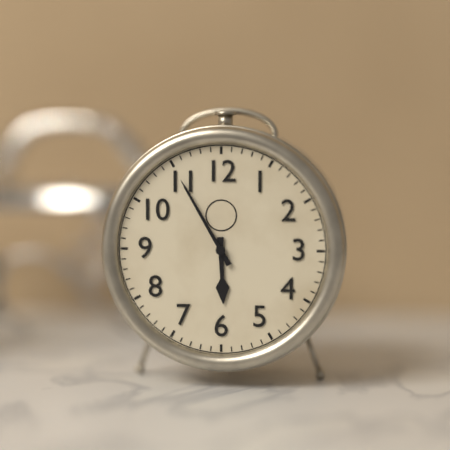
5.55
